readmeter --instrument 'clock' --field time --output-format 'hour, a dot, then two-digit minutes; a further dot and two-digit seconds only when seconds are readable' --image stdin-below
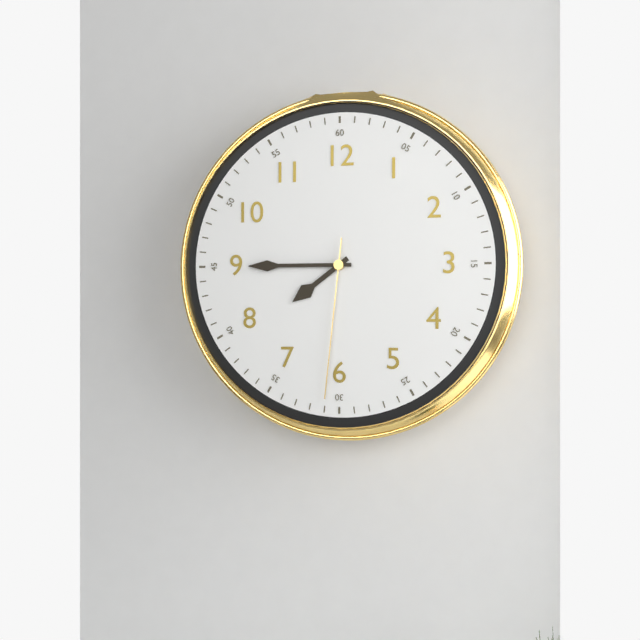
7.45.31
